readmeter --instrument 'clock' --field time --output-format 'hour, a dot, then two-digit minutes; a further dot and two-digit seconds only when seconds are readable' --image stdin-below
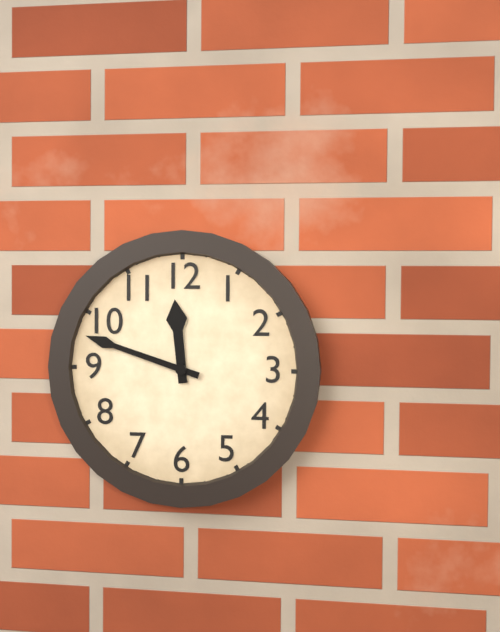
11.48
